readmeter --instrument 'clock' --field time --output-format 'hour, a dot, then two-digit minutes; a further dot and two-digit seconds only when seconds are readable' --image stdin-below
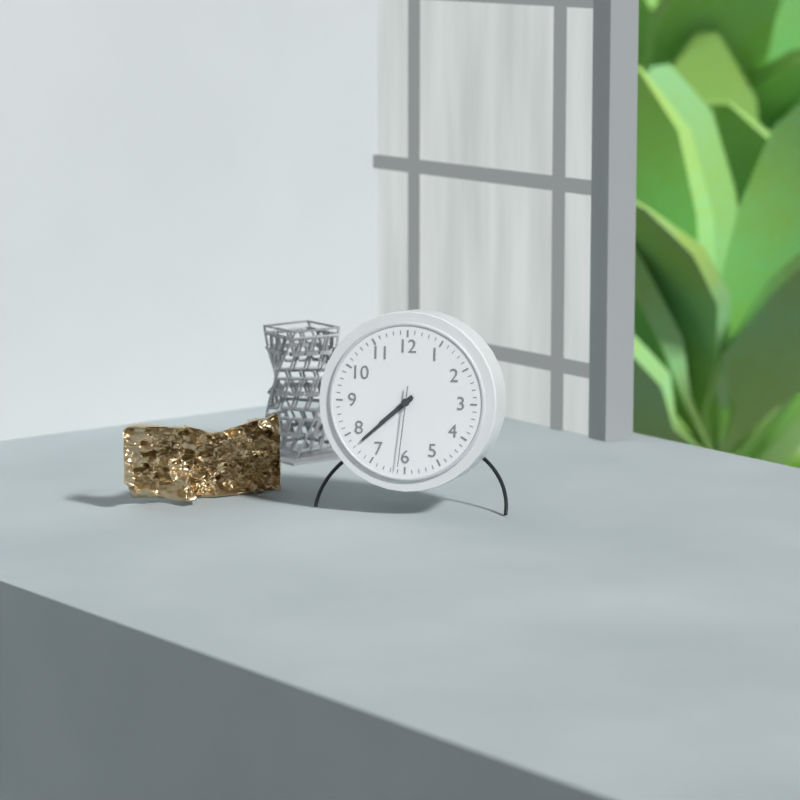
7.38.31
